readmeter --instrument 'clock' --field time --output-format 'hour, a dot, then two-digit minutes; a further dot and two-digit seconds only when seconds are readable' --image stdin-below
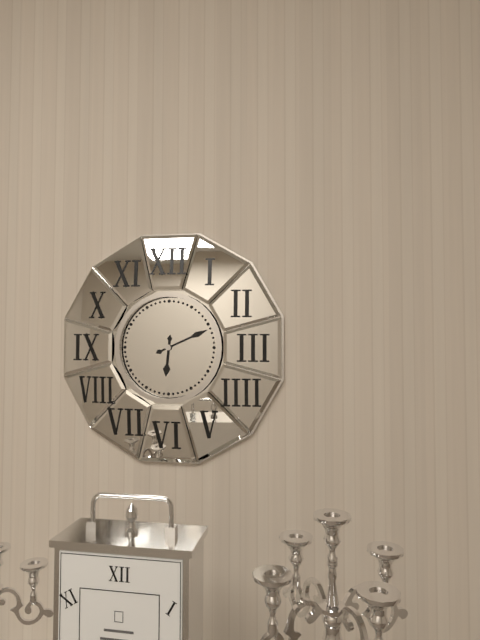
6.11
